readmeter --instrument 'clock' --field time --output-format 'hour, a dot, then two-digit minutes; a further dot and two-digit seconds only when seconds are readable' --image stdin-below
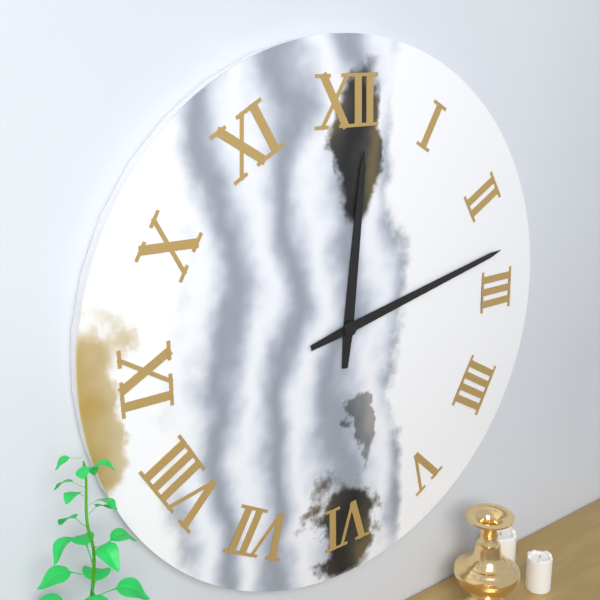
12.13
